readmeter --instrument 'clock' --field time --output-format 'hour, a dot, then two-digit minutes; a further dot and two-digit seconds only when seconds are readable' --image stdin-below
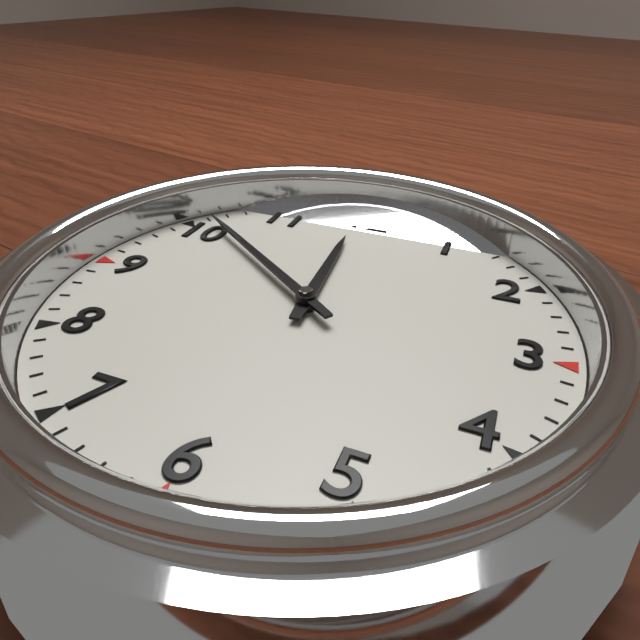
11.51
